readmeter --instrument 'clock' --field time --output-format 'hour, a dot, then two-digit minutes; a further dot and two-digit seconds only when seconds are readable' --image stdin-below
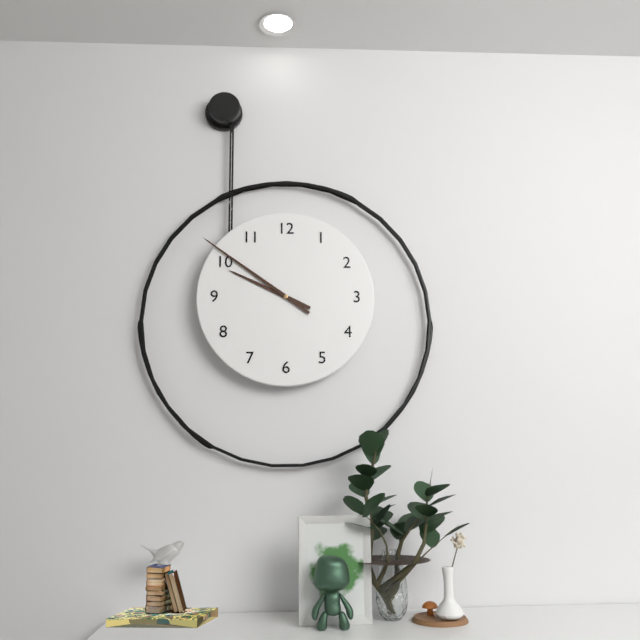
9.51
